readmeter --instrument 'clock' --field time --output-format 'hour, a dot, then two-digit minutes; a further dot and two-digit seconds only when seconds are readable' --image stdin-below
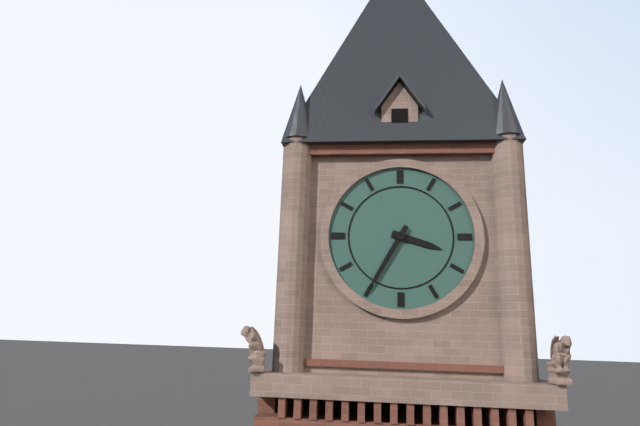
3.35
